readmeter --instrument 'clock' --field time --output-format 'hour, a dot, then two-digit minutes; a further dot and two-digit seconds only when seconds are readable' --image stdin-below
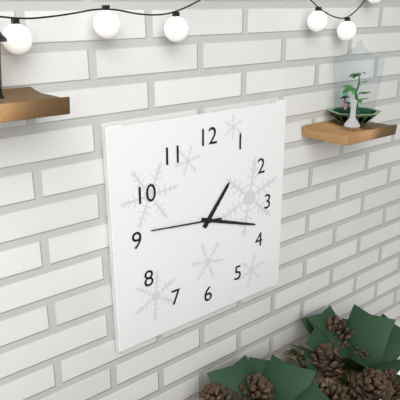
1.18.46
